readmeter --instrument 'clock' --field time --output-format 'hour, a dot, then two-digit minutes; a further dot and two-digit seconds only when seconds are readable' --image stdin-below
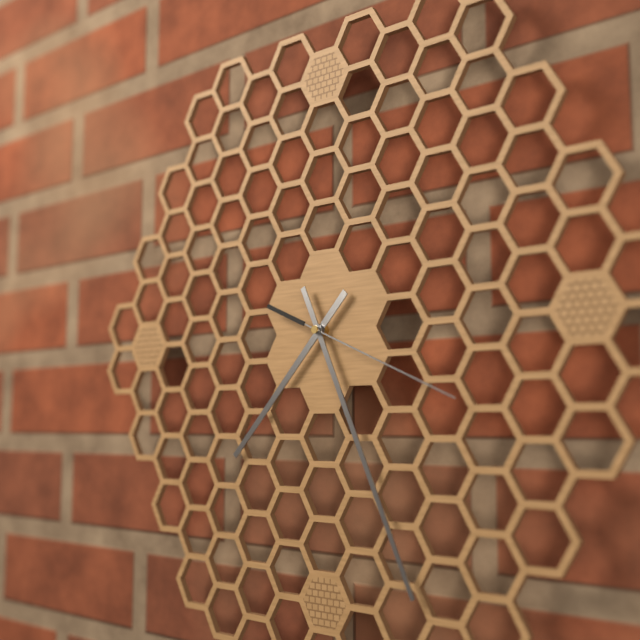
7.26.19
